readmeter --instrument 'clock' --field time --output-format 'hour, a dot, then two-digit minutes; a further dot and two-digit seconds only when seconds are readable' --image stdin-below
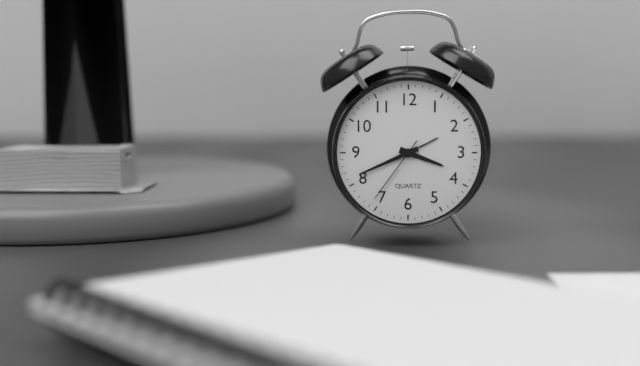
3.41.36
